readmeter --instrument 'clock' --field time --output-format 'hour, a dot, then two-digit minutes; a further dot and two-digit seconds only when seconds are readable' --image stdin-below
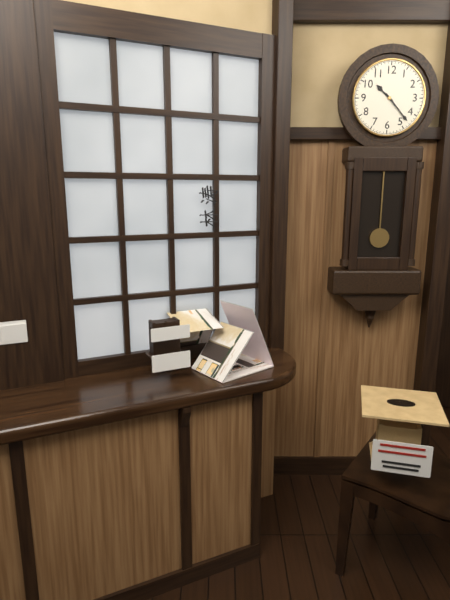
10.23
